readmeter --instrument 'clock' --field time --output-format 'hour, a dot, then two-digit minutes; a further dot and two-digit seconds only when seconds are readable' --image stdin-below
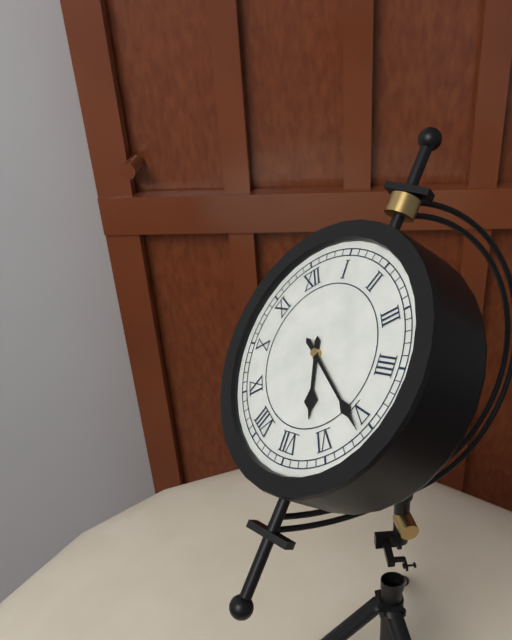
6.26
